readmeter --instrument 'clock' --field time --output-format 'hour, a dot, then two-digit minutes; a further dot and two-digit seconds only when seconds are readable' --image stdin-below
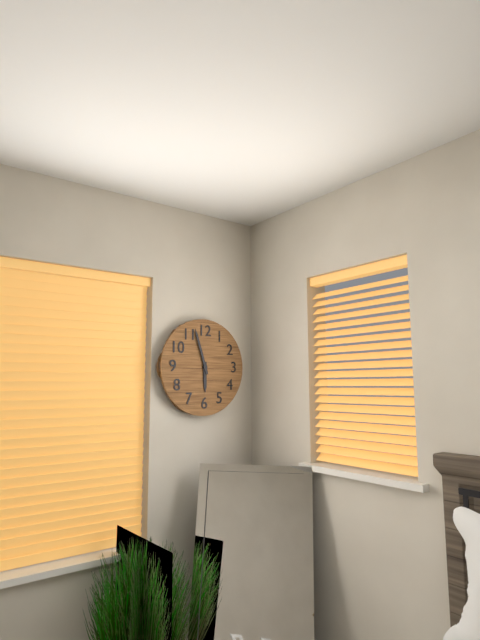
5.57
